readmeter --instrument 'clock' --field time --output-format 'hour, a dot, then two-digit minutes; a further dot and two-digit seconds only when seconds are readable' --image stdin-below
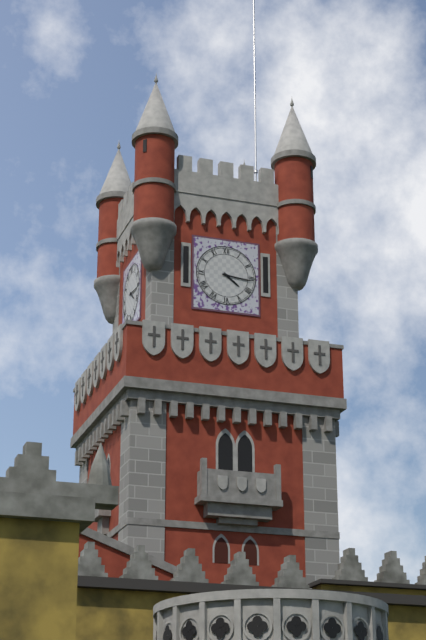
4.16
